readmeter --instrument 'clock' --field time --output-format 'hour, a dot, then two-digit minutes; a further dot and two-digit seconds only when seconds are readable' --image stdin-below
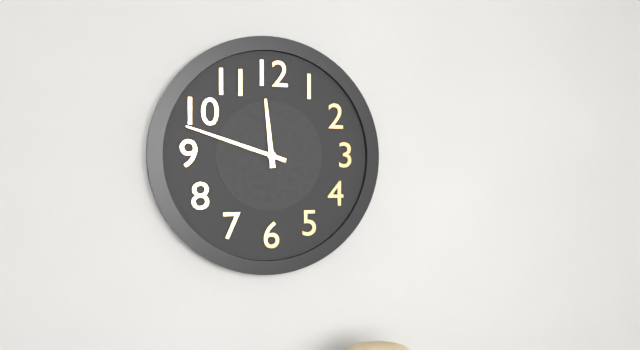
11.48
